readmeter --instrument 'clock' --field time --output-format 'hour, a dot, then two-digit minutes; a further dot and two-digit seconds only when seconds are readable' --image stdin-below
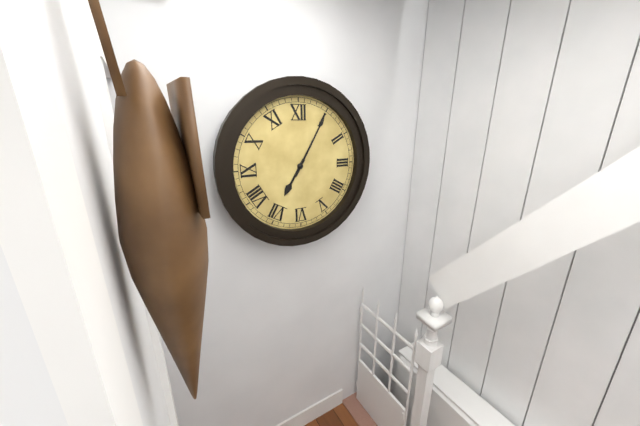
7.05
